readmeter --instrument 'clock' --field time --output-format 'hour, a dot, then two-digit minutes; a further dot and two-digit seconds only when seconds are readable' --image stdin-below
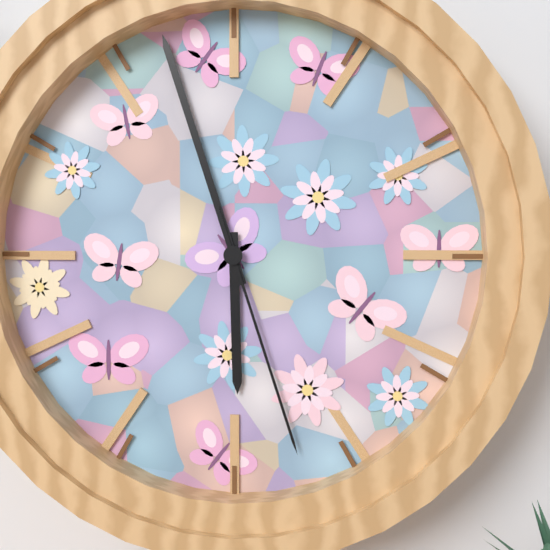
5.57.27
